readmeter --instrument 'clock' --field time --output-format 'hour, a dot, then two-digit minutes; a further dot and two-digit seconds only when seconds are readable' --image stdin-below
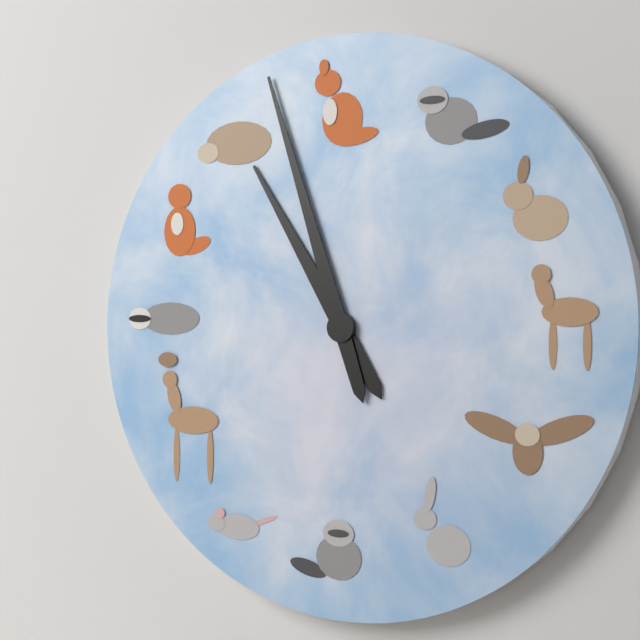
10.57
